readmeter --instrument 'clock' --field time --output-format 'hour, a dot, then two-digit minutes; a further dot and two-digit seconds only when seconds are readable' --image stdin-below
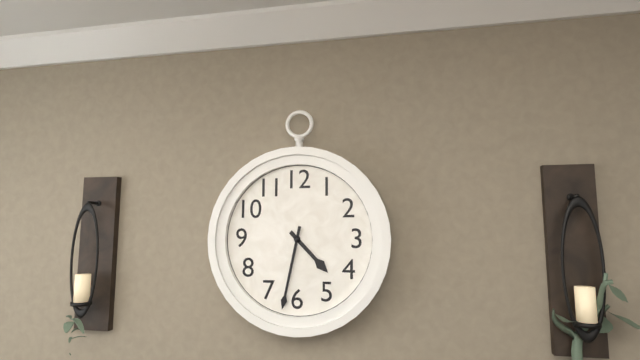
4.32
